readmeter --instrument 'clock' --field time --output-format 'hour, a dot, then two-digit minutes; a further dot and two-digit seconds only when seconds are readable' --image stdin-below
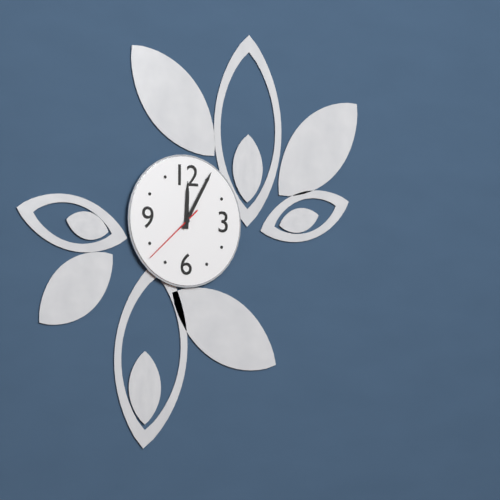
12.05.38
